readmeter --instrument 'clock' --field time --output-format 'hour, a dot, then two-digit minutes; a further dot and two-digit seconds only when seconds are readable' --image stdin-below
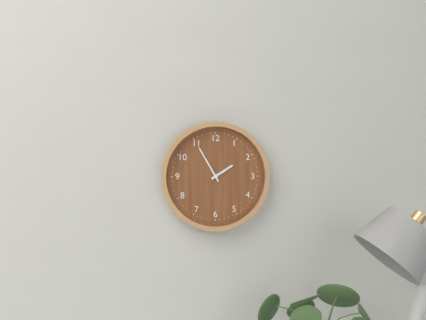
1.55
